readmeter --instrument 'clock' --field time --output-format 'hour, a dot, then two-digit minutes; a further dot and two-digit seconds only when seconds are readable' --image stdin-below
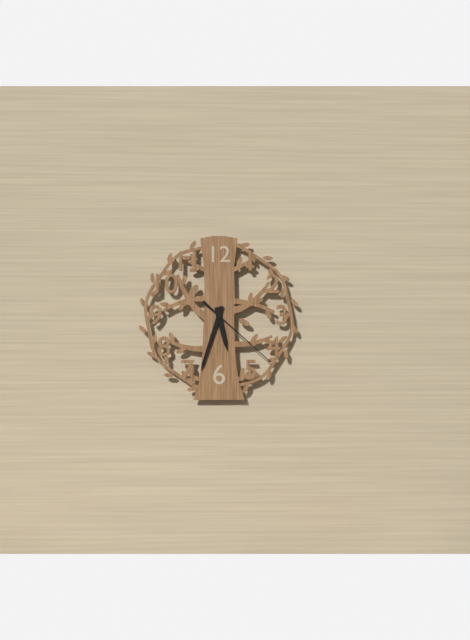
5.33.22
